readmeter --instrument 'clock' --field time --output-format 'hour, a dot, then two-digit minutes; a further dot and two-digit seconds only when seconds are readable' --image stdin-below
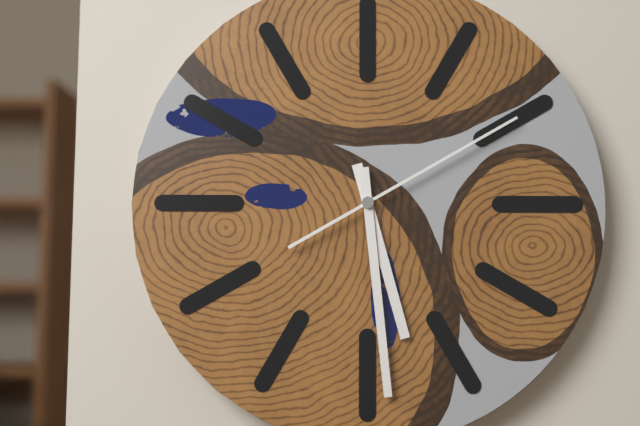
5.29.10
